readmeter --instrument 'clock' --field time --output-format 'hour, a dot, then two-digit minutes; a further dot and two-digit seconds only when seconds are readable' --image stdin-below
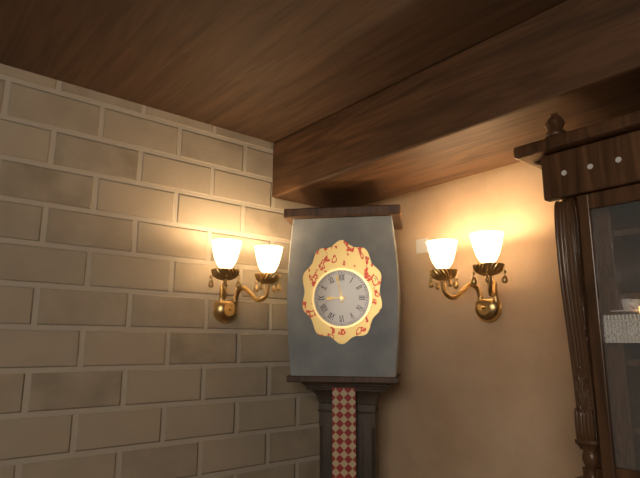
8.58
